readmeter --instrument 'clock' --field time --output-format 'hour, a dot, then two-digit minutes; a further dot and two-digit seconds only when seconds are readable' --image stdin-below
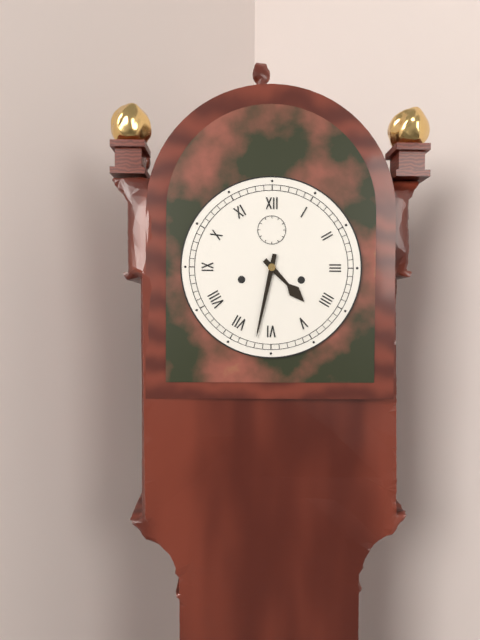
4.32
